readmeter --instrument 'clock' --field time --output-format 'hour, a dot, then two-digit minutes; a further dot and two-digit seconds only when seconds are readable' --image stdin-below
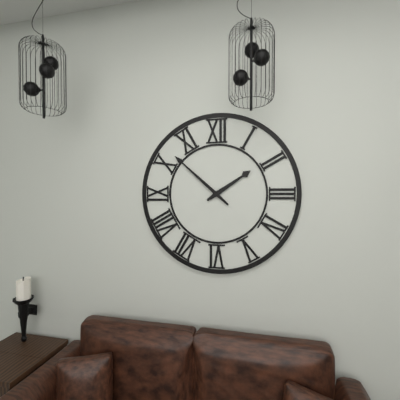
1.52
